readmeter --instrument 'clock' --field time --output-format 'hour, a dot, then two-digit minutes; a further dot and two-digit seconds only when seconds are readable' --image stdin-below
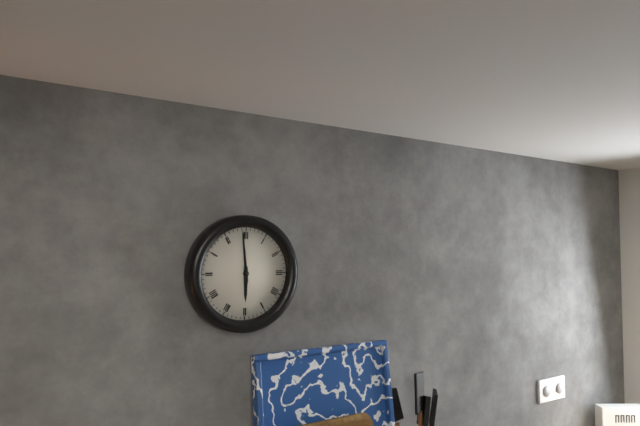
5.59
